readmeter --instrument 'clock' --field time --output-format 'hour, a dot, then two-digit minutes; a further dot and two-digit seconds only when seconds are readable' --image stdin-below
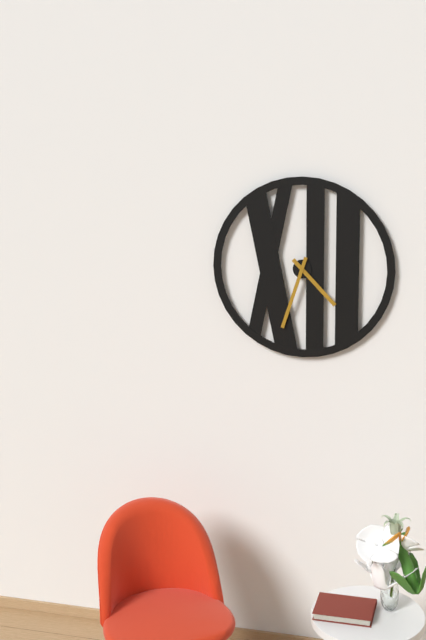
4.33
